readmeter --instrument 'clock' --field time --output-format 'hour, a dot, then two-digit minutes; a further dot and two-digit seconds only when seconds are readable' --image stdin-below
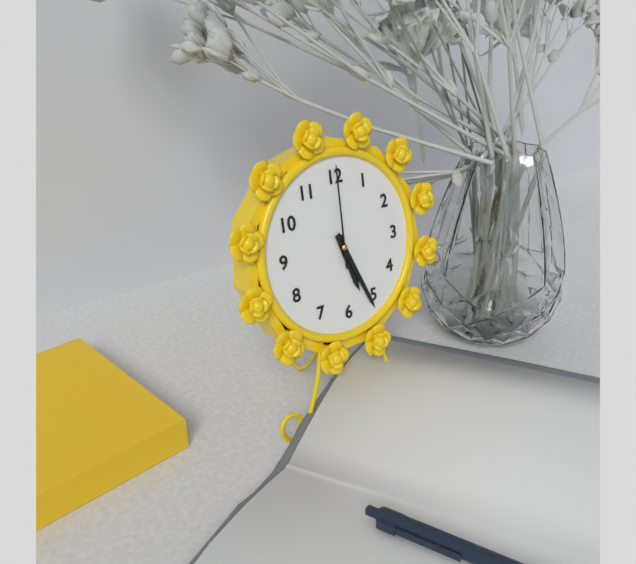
5.26.00
